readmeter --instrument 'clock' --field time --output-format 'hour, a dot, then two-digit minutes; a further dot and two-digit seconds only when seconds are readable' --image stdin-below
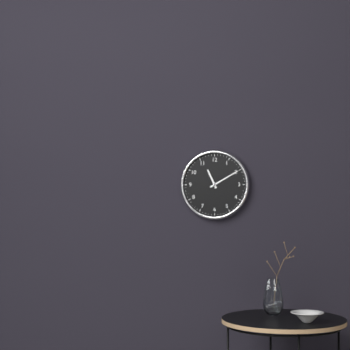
11.10
